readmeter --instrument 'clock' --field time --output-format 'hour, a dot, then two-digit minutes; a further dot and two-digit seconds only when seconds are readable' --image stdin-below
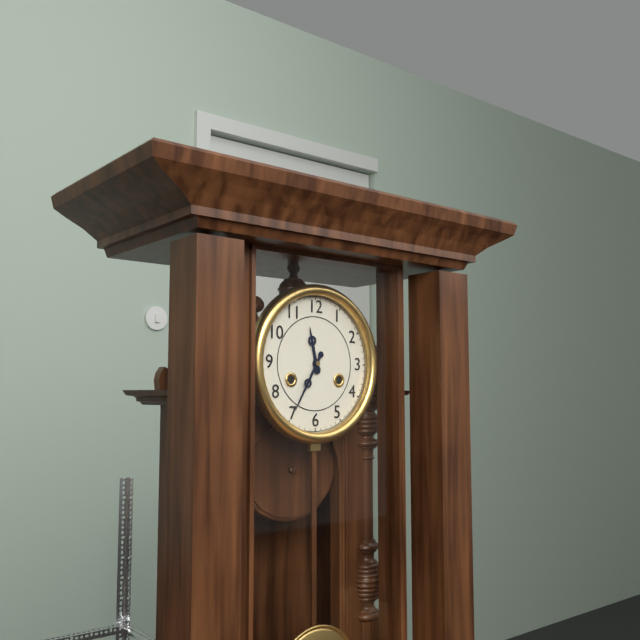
11.35
